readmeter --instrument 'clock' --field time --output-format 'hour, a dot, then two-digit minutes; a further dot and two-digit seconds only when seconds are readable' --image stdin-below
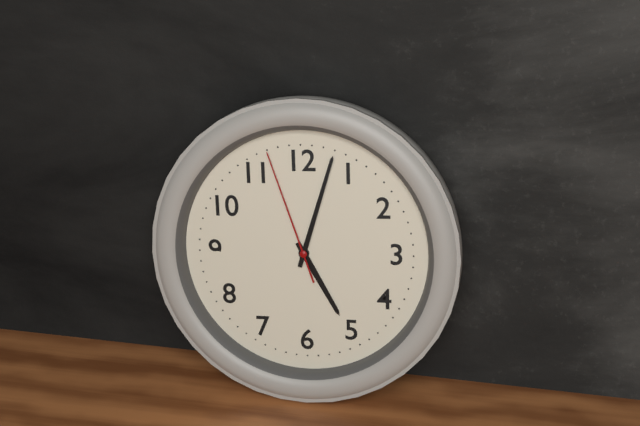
5.03.57
